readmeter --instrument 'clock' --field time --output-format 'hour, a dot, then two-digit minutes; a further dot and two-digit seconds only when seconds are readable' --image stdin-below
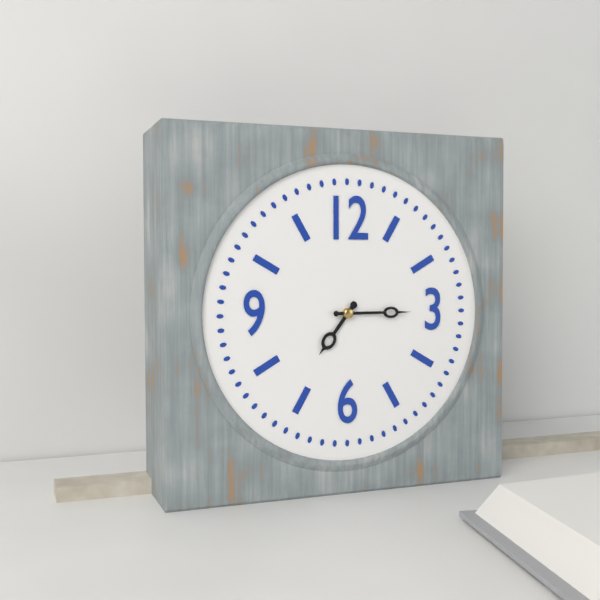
7.15
